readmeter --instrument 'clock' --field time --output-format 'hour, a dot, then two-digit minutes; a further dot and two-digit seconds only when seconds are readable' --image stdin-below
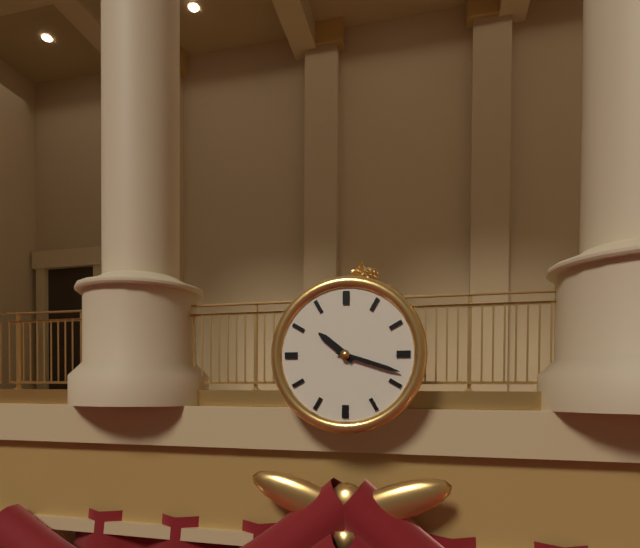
10.18
